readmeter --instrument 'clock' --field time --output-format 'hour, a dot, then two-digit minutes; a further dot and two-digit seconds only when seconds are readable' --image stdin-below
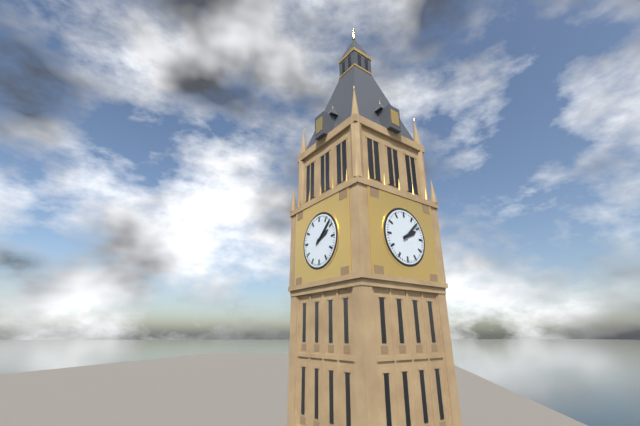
2.08
